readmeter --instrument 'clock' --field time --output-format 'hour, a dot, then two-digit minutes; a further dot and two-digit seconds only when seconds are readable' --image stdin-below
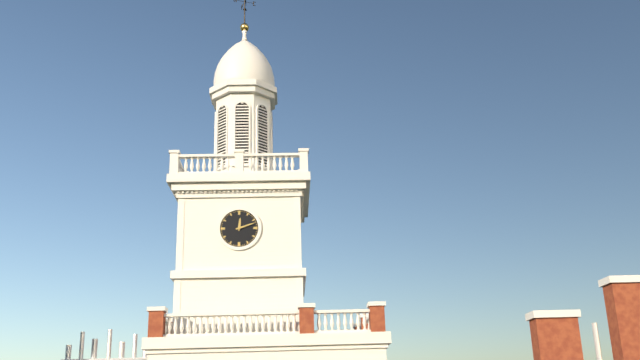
12.12
